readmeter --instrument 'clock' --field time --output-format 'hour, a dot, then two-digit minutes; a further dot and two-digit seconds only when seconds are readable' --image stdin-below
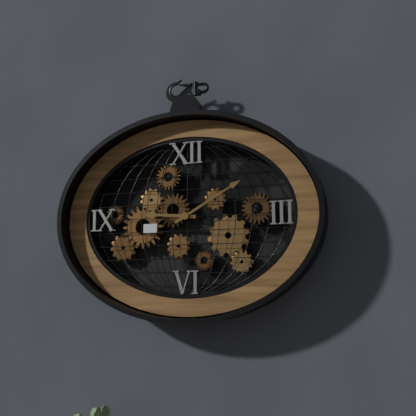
9.10
